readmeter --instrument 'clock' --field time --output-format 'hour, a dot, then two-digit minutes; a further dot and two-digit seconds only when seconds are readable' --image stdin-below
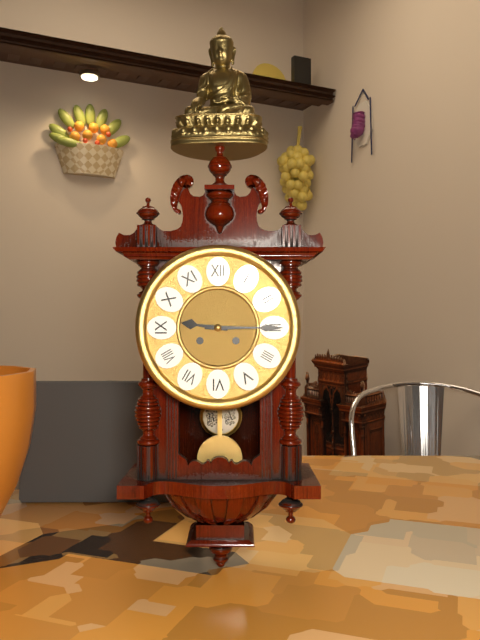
9.15
